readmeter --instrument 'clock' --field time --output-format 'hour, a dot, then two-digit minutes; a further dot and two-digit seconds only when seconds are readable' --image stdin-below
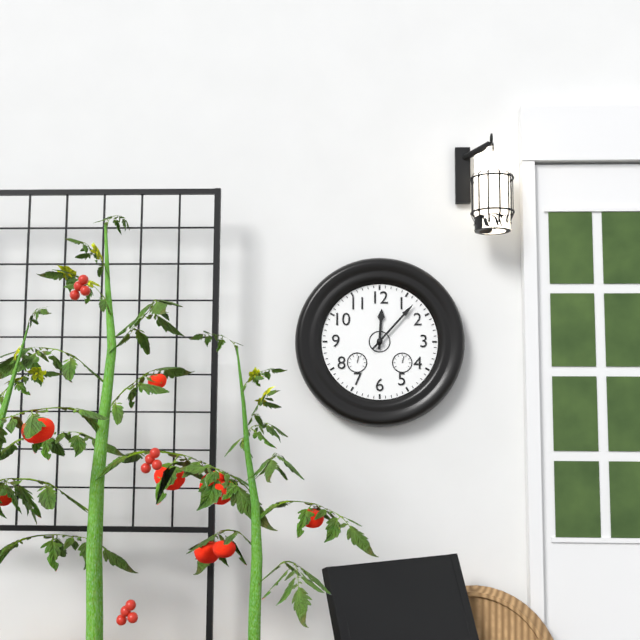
12.07
